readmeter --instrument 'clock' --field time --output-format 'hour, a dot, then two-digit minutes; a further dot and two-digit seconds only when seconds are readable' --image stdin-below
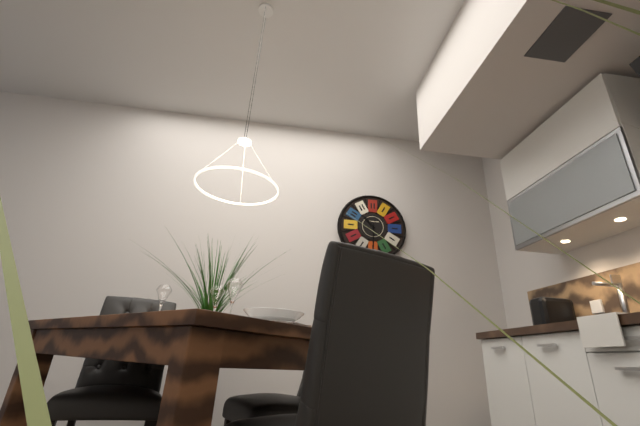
10.30
